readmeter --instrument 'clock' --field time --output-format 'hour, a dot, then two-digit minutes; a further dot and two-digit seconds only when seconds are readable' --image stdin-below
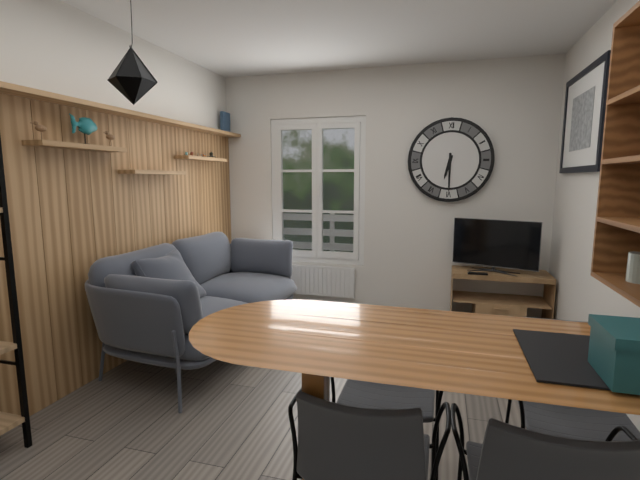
6.30
